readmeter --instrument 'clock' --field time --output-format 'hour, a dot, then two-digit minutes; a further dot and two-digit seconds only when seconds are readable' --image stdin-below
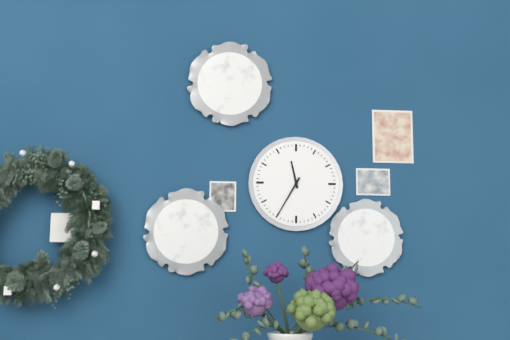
11.35
